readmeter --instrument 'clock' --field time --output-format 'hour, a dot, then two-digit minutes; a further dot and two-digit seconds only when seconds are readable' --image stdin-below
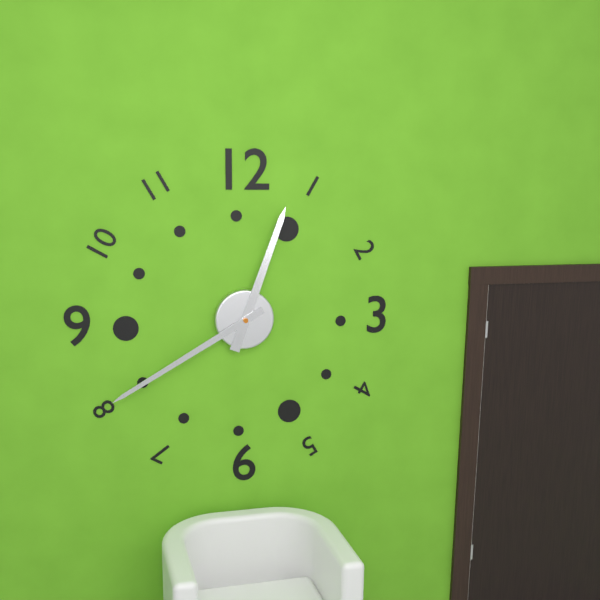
12.40
